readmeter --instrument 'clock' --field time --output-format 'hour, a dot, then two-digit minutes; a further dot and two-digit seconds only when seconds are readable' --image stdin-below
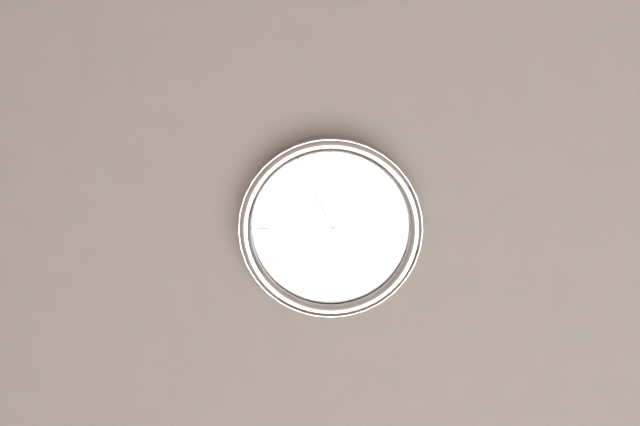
10.56.13
